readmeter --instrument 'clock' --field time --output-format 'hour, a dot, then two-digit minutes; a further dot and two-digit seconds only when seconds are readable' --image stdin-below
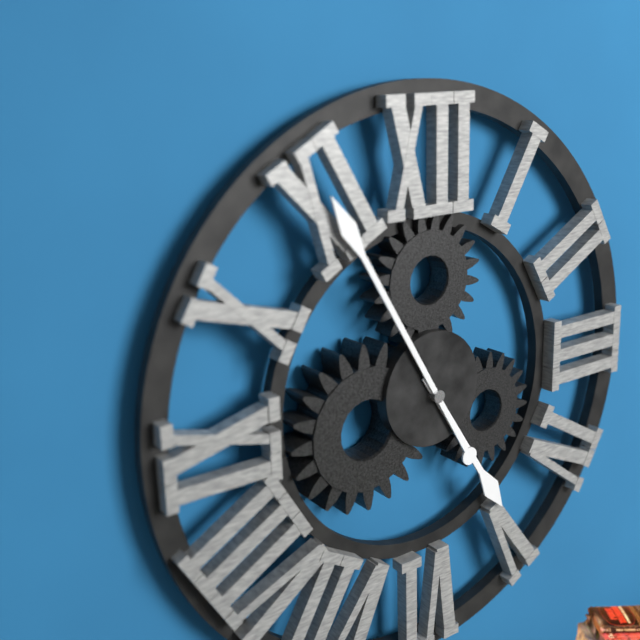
4.55
